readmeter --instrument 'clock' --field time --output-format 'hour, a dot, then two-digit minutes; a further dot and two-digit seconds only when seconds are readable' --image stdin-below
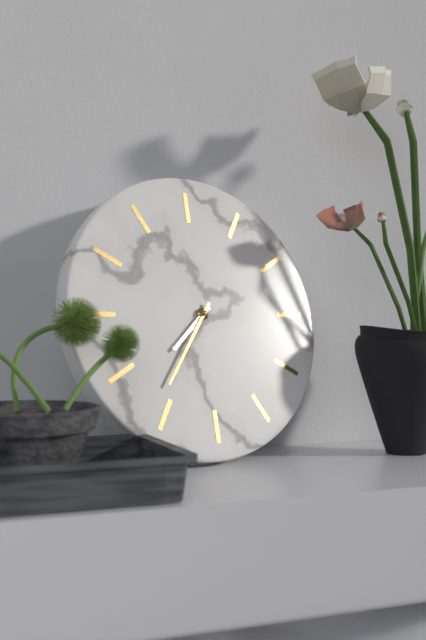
7.36
